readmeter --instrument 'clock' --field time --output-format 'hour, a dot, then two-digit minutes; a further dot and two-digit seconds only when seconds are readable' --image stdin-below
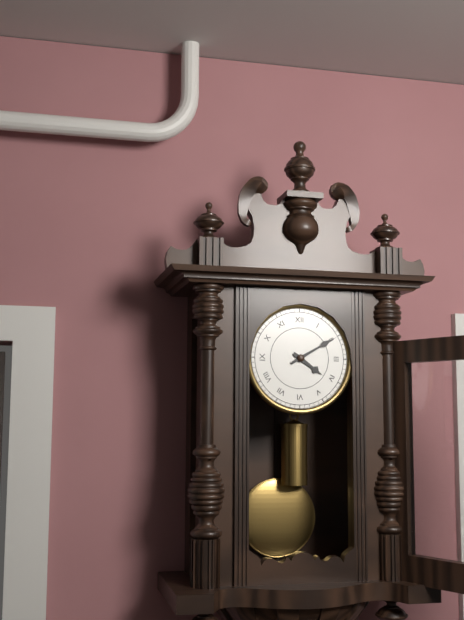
4.10
